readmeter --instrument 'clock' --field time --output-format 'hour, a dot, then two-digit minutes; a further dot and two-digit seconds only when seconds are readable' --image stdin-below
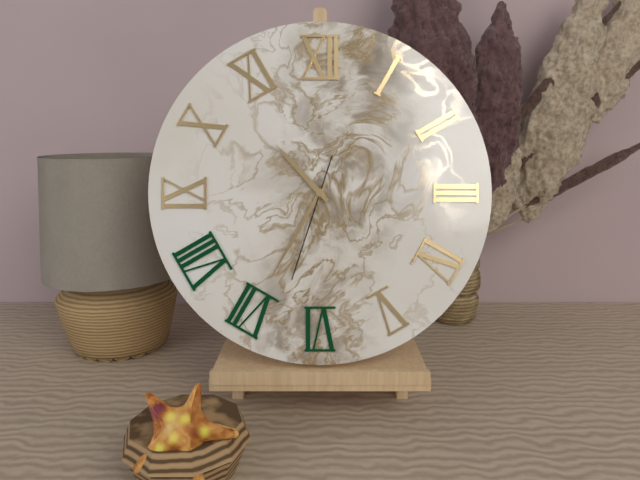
10.35.33
